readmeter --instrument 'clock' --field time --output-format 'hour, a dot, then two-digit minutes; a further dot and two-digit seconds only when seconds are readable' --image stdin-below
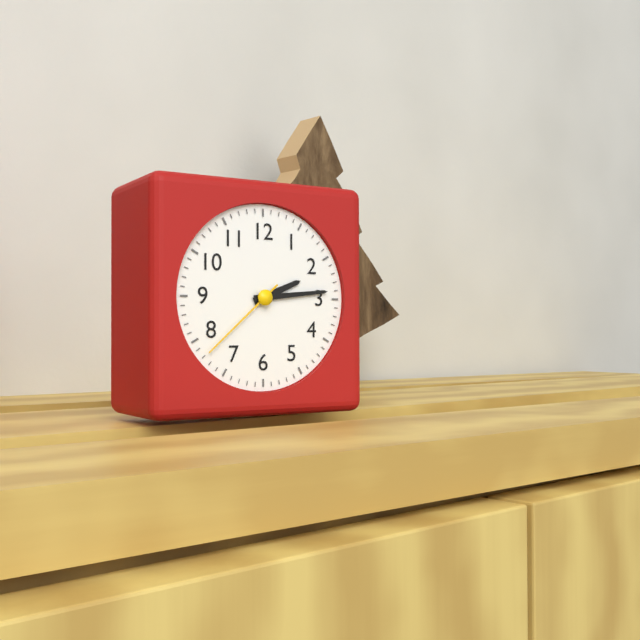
2.14.38
